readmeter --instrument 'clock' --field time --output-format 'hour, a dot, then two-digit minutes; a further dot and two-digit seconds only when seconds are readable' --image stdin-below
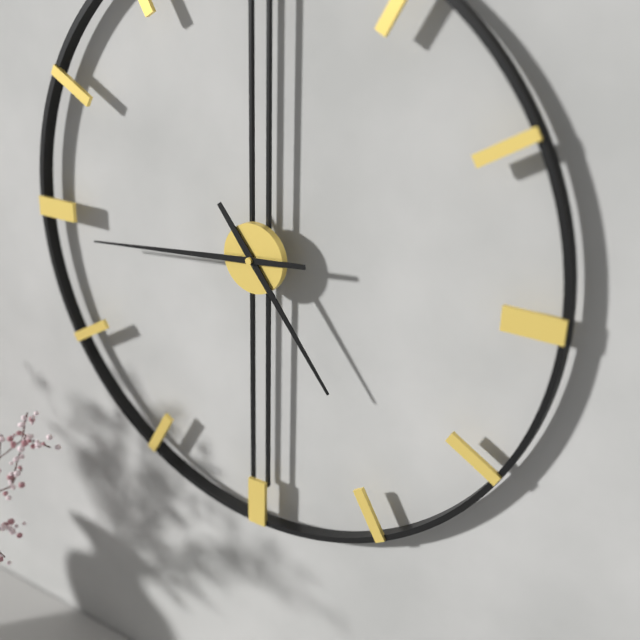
4.44
